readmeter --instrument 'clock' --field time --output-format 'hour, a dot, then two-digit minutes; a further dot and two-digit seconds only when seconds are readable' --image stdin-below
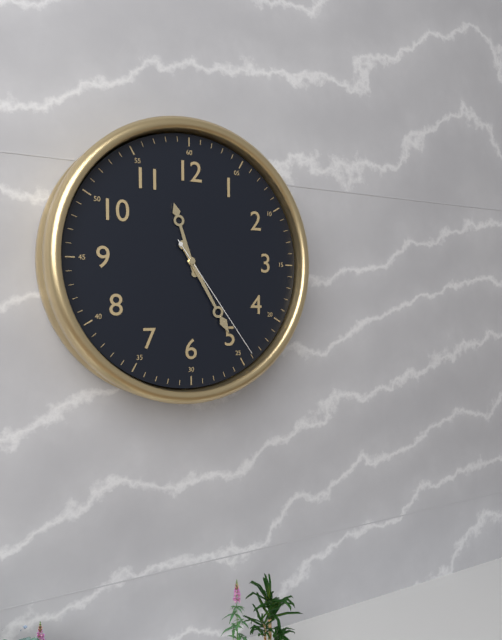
11.25.24
